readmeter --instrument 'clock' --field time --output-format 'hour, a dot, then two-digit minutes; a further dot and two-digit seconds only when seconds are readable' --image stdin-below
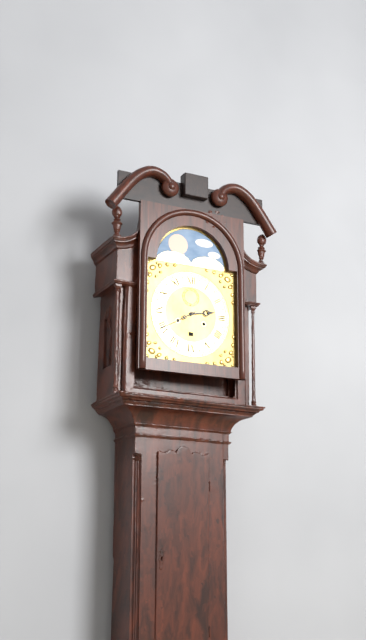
2.40
